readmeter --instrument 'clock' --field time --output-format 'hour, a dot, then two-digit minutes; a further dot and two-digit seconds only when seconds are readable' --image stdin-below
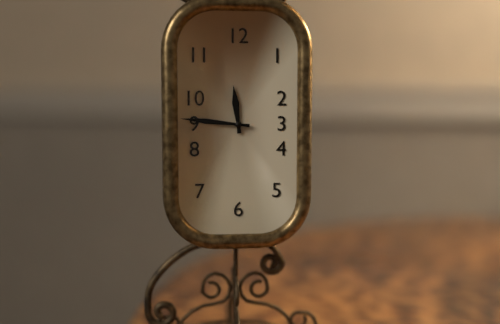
11.46
